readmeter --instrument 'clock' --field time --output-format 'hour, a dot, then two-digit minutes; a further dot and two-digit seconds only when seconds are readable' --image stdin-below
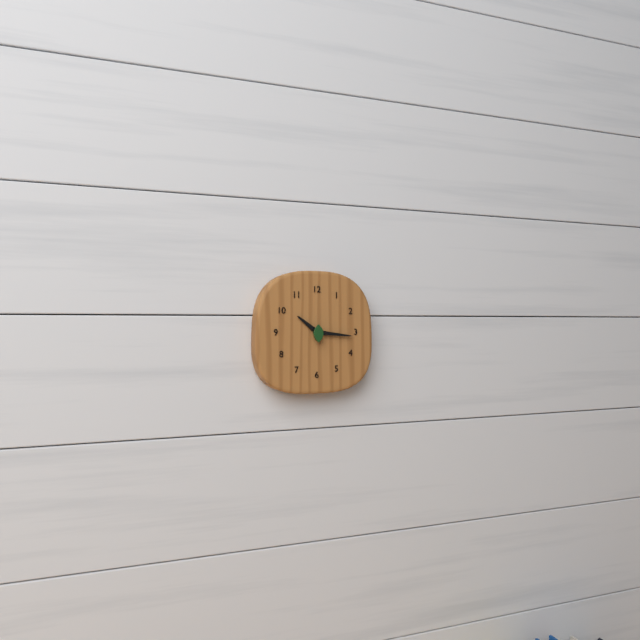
10.16
